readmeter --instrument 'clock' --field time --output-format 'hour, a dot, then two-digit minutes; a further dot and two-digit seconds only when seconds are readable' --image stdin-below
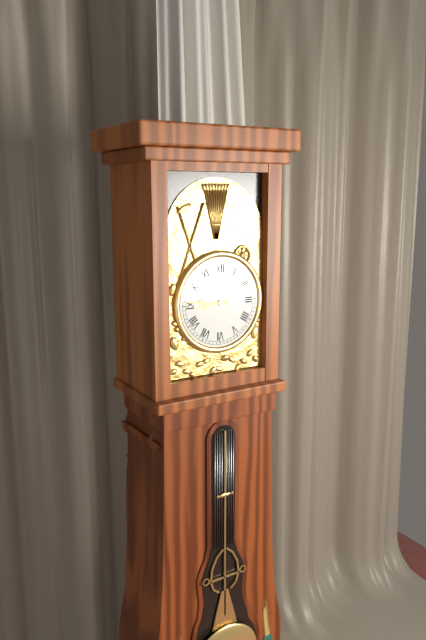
8.46
